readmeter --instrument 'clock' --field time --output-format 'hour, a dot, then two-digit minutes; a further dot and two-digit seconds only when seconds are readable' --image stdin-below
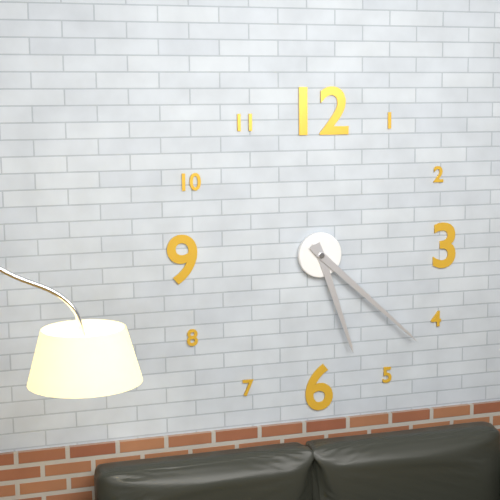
5.22
